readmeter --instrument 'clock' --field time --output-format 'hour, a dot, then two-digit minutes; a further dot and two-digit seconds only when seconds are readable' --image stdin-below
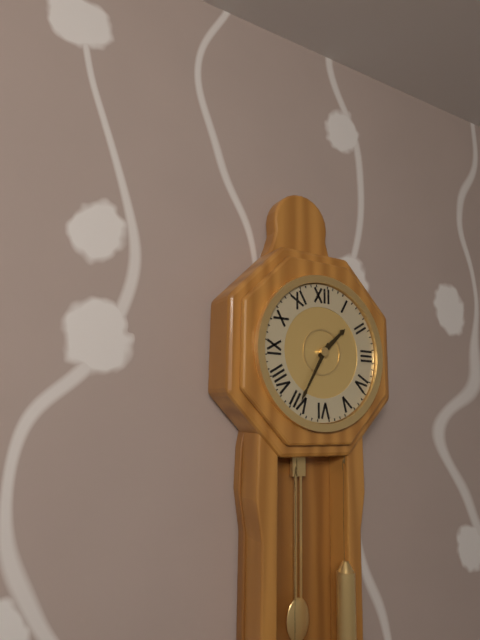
1.35
